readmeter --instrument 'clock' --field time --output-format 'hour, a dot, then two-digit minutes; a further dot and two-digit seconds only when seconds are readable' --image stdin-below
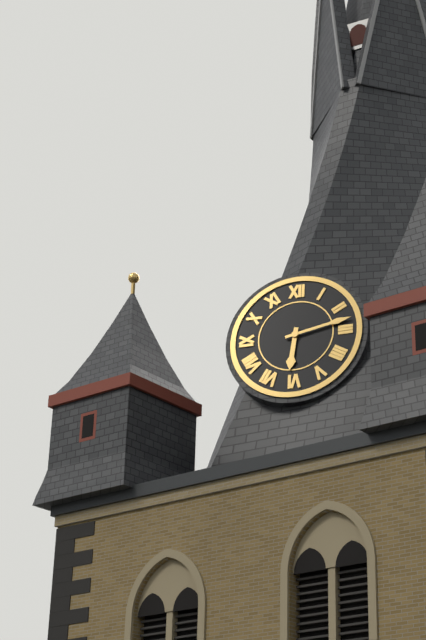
6.13
